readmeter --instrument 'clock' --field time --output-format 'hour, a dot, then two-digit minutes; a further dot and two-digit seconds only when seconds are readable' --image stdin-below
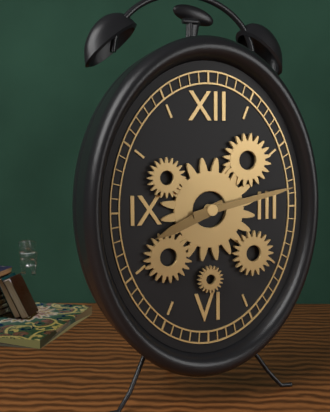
8.13
